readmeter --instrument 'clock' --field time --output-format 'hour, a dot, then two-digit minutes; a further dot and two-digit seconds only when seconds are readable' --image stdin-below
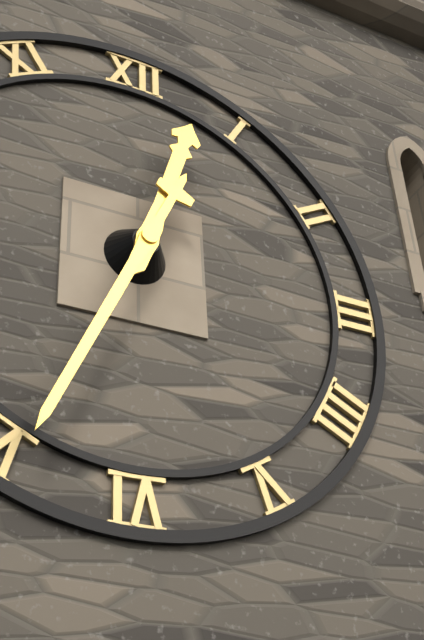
12.34
